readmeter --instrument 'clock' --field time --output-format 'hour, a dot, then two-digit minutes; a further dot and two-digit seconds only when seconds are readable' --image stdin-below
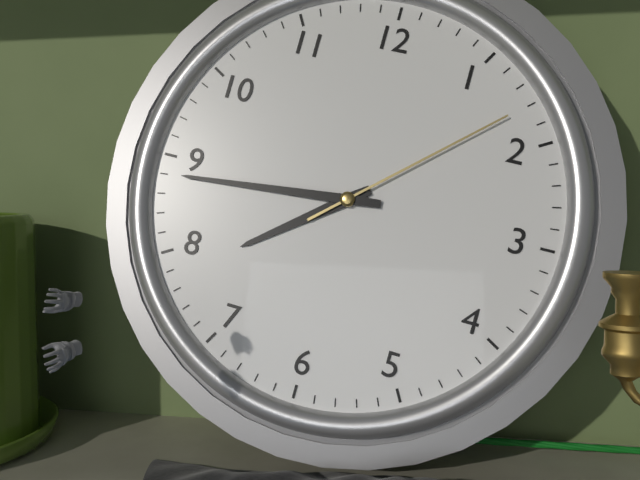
7.44.08
